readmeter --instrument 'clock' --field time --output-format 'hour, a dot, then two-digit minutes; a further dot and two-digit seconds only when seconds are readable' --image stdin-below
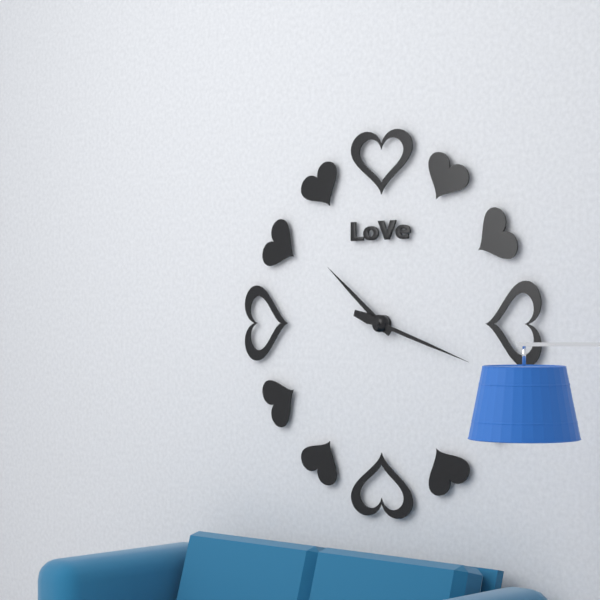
10.18
